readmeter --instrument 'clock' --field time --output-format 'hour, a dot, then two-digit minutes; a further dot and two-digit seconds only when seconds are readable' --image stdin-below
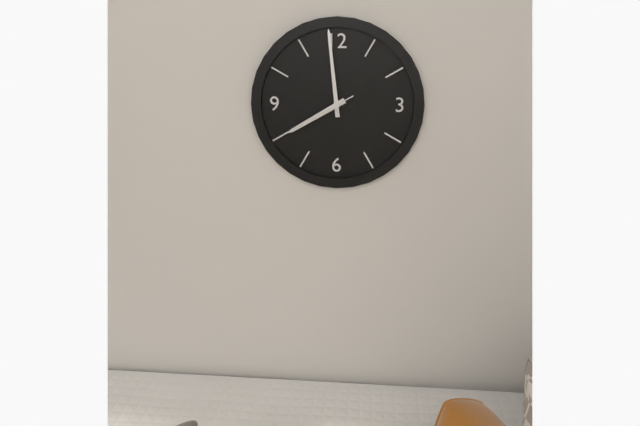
7.59.40
